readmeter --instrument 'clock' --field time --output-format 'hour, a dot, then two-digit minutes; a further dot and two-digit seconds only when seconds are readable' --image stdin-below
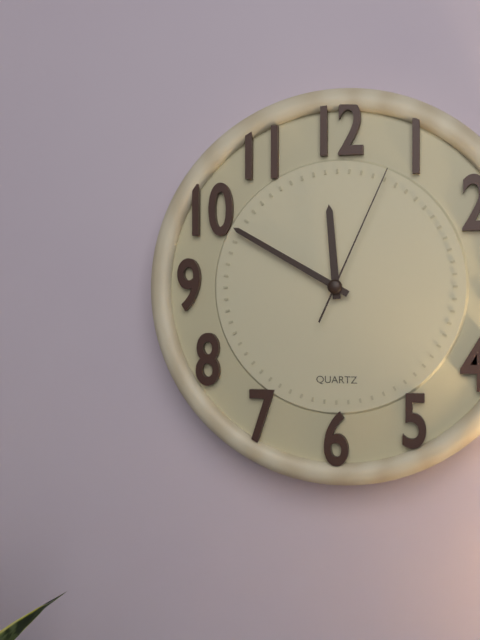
11.50.04
